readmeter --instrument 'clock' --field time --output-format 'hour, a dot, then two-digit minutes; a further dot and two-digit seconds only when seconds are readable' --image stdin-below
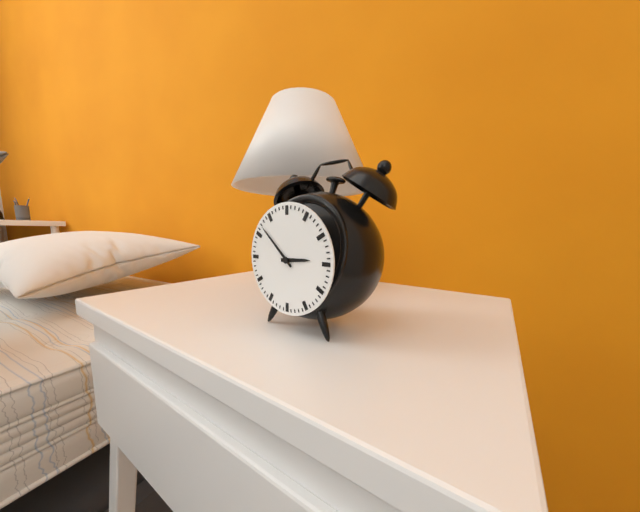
2.52
